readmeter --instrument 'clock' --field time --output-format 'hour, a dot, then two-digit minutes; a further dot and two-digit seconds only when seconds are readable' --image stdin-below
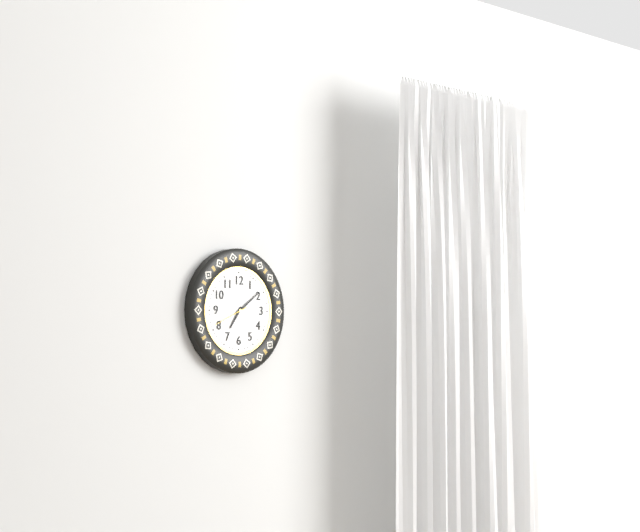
7.09
